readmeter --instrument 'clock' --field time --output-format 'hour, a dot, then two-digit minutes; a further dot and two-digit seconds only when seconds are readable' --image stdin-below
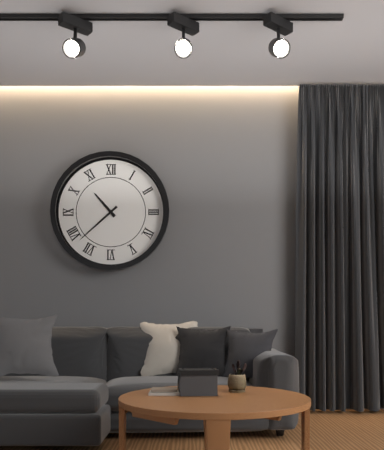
10.38
